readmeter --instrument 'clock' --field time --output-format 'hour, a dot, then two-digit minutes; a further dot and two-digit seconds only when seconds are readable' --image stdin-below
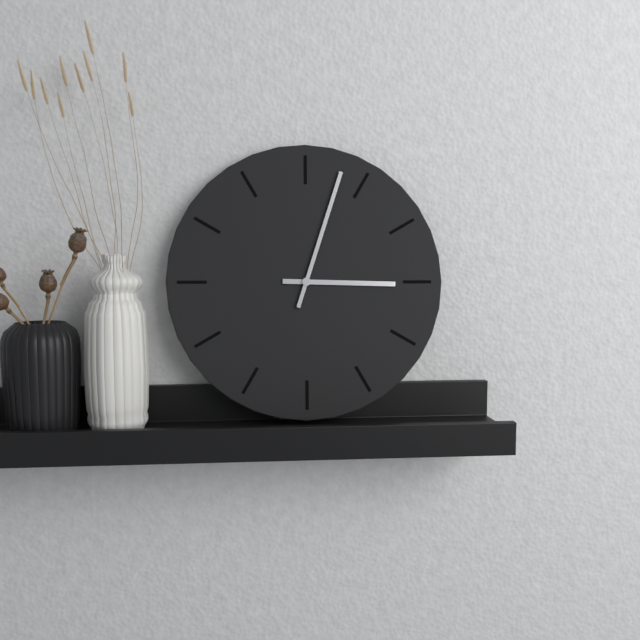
3.03
